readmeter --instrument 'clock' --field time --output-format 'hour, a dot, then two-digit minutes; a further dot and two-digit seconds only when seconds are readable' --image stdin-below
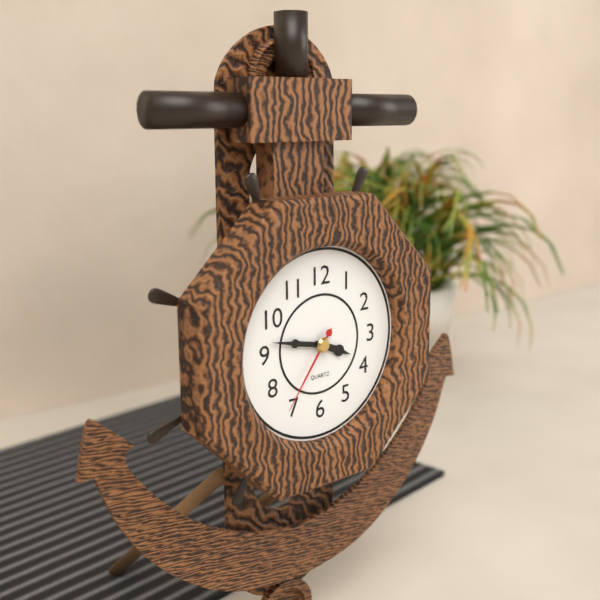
3.47.36
